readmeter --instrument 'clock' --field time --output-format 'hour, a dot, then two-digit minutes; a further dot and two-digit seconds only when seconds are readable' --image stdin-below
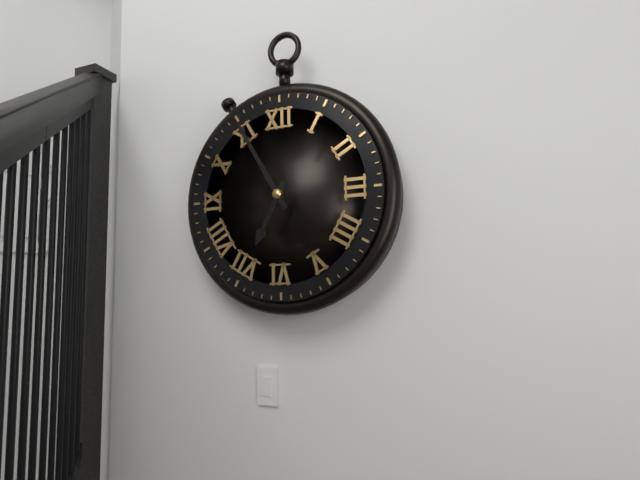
6.55
